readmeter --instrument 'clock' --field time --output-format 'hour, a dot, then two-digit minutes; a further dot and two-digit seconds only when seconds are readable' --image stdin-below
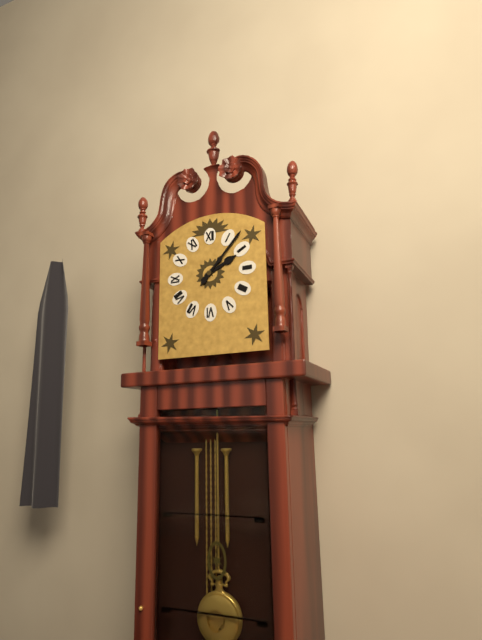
2.07
